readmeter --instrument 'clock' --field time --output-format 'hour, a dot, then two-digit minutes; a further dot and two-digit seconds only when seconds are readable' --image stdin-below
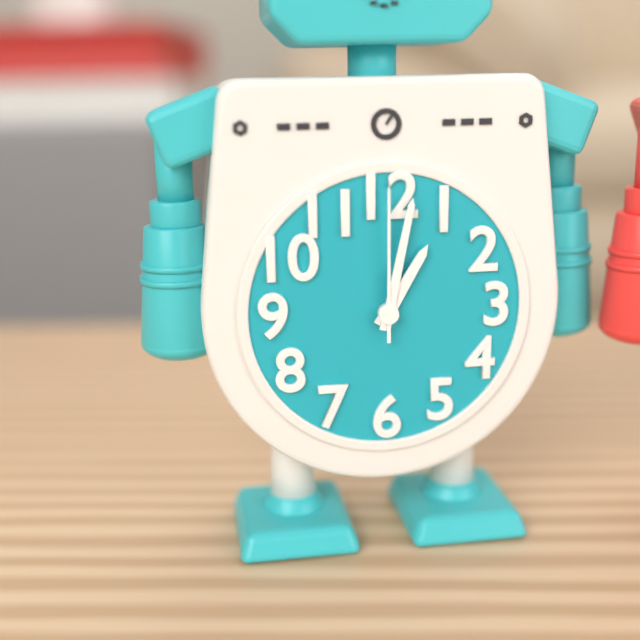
1.02.00
